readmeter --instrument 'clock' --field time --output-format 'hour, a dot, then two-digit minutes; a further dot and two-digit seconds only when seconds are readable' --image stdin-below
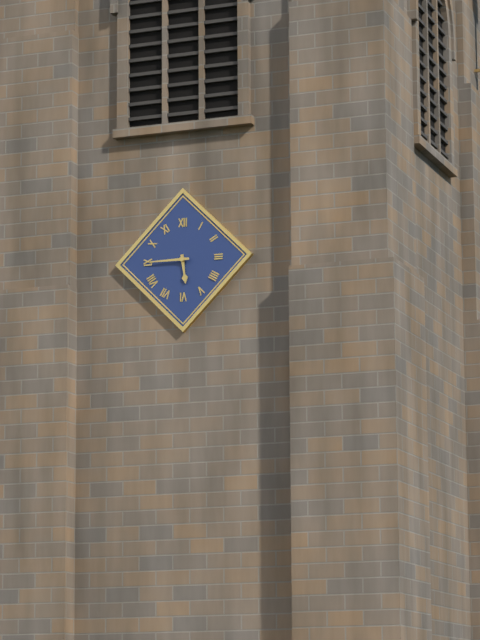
5.45
